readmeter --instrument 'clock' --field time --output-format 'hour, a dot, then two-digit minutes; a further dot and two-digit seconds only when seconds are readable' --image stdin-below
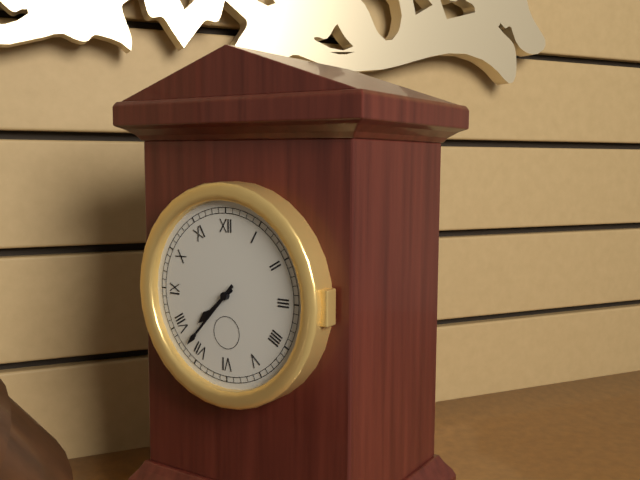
7.37
